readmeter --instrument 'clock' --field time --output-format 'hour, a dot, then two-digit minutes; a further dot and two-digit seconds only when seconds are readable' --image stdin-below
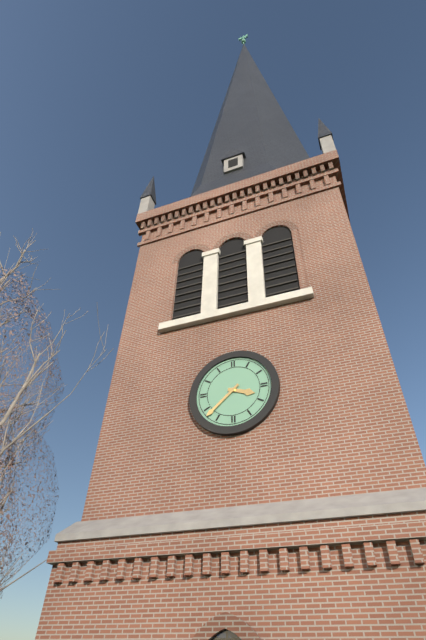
3.38
